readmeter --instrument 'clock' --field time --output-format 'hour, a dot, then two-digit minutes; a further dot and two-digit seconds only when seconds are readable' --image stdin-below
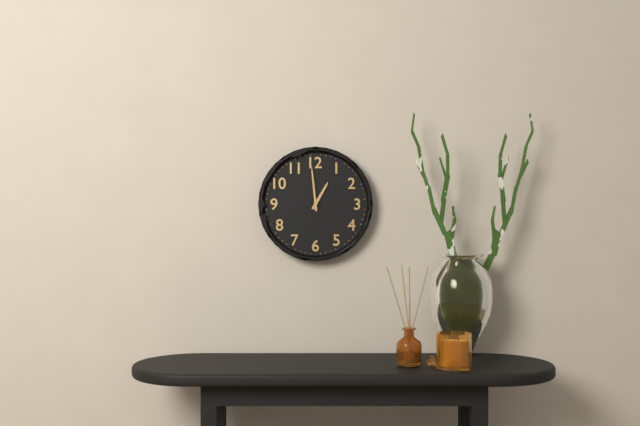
12.59
